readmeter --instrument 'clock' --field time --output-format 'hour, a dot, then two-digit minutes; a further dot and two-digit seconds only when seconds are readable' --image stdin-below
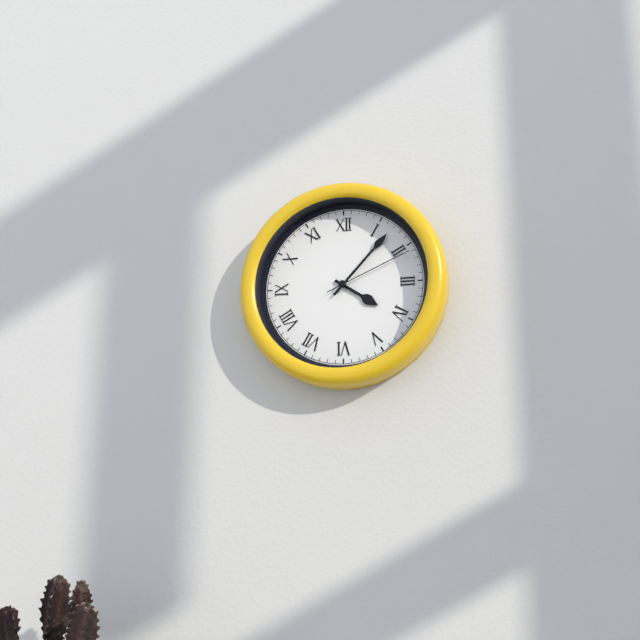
4.07.11
